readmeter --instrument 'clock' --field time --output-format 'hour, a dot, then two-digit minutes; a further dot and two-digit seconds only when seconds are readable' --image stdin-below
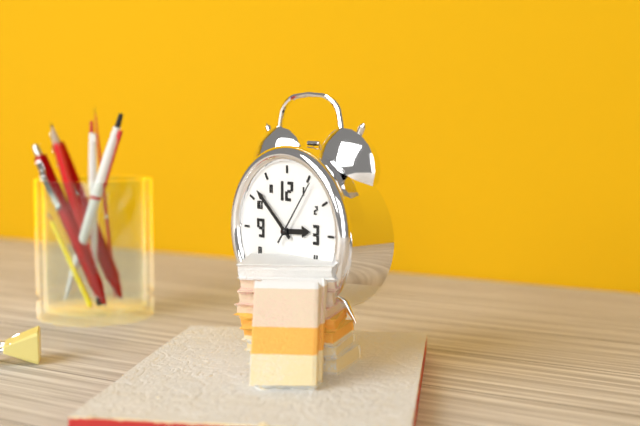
2.52.06
